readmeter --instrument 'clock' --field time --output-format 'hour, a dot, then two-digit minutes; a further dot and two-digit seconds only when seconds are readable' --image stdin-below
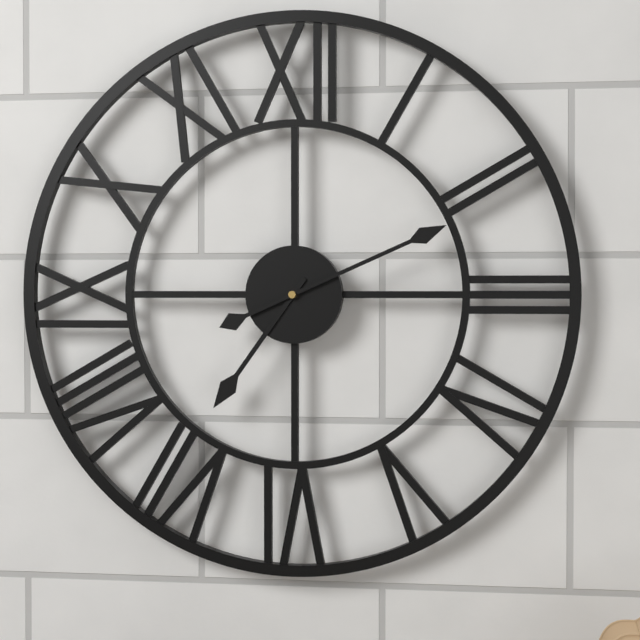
7.11
